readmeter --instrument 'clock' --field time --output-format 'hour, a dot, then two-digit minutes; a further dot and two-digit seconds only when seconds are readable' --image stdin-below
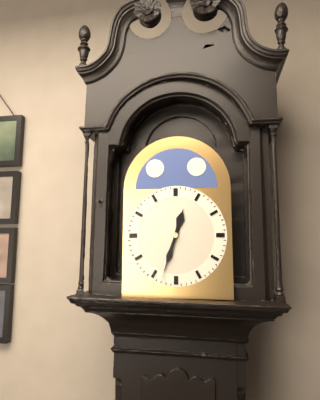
12.33
